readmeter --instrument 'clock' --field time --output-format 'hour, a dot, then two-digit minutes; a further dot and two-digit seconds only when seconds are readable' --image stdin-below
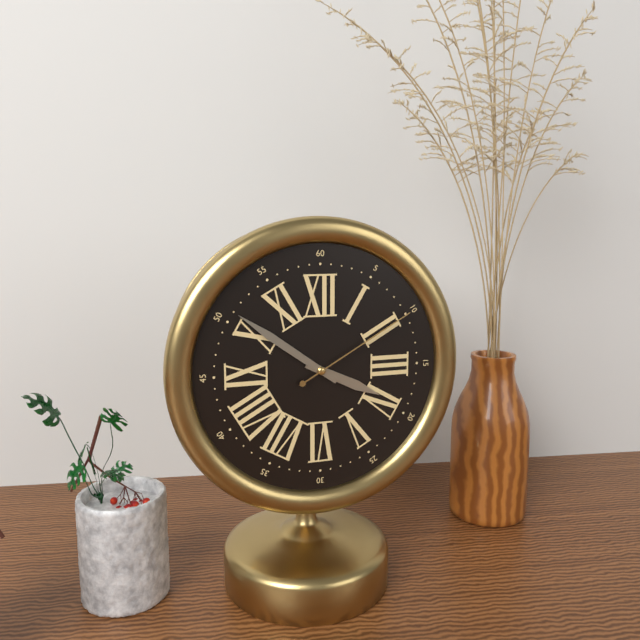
3.51.10
